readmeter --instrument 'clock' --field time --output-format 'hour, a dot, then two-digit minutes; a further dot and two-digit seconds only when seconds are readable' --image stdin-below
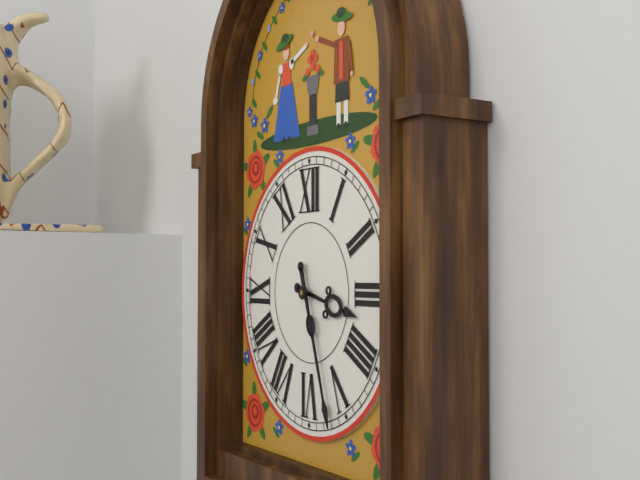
3.27
